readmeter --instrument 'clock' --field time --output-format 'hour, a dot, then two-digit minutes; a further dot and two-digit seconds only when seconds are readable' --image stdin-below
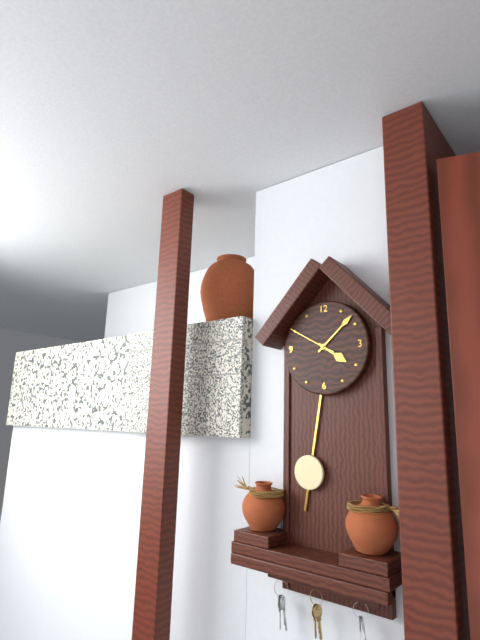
4.08
